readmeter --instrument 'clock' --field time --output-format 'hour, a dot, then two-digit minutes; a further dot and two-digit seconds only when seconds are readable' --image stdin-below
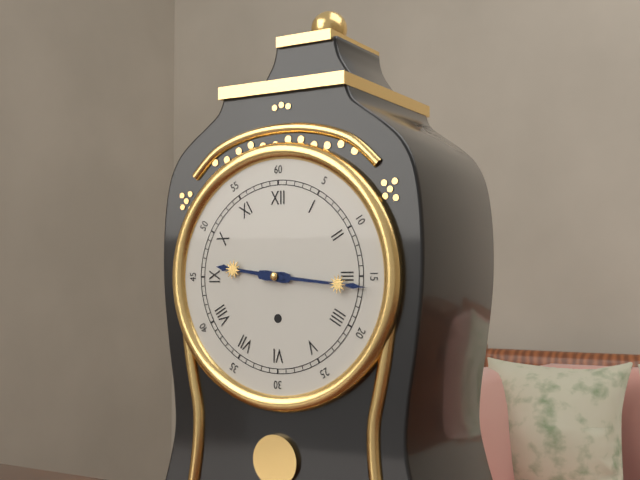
9.16
